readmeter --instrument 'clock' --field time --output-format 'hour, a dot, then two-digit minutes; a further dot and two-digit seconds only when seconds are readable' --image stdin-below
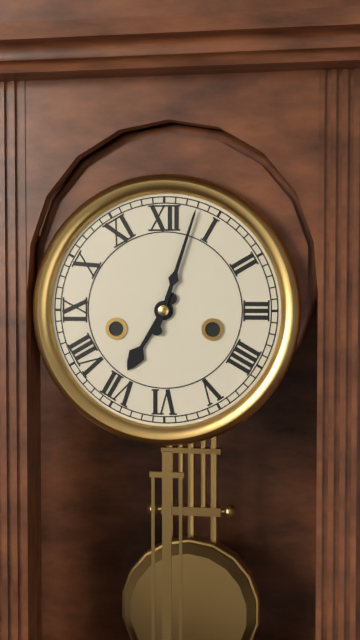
7.03
